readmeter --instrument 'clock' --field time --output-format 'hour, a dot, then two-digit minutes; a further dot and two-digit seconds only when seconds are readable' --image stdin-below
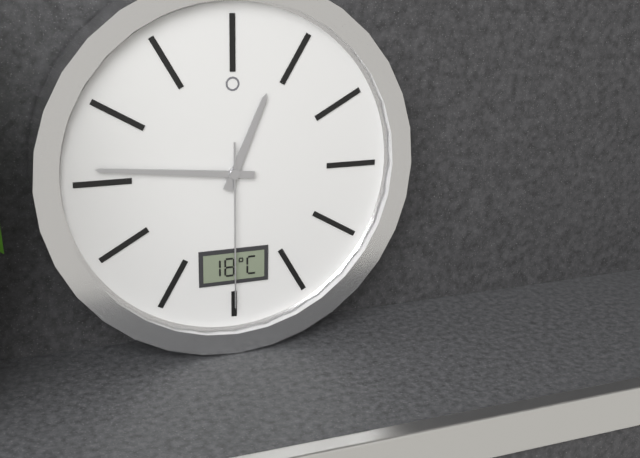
12.46.30
